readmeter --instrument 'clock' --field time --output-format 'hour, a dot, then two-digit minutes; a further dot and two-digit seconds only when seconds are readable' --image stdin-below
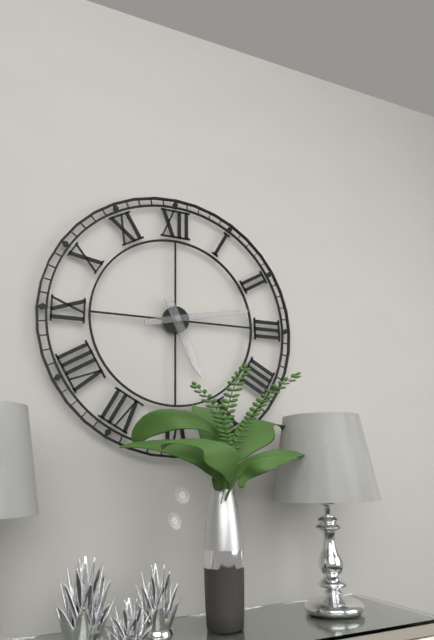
5.13
